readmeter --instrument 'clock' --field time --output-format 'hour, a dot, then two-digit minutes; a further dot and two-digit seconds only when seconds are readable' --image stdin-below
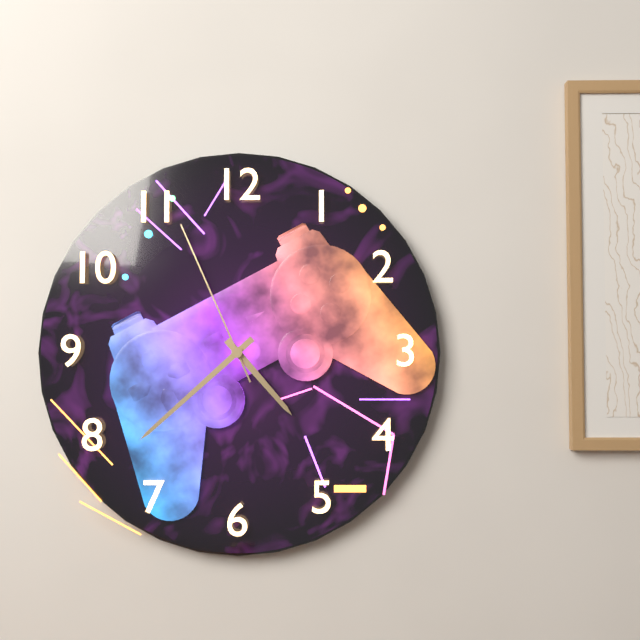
4.38.56
